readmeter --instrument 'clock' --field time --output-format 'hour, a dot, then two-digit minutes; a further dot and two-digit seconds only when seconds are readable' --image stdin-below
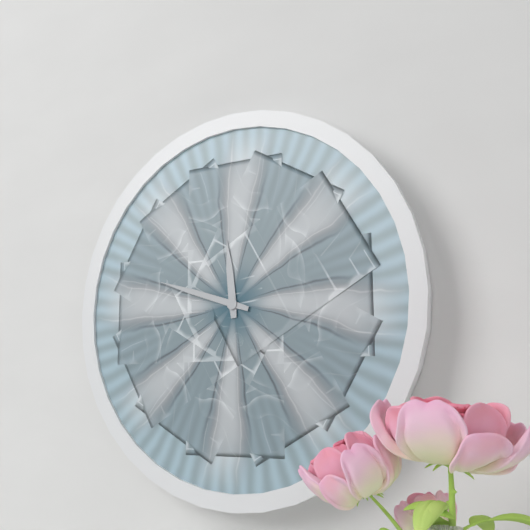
11.48
